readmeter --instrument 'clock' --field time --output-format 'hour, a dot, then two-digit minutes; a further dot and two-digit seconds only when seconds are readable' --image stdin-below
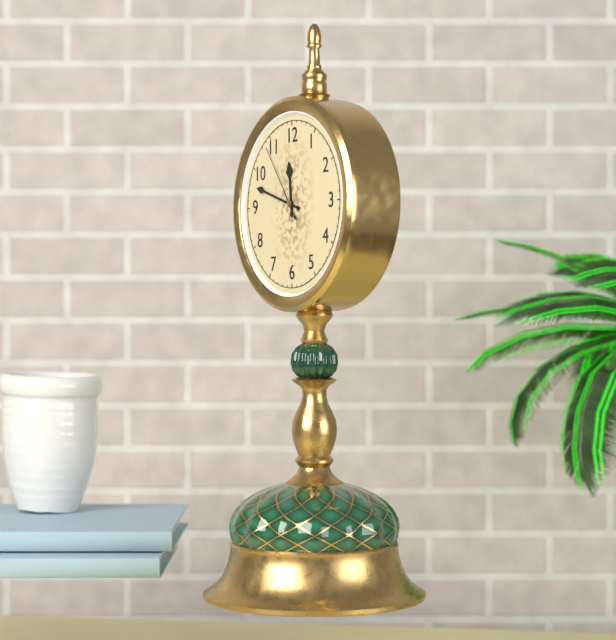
11.48.54
